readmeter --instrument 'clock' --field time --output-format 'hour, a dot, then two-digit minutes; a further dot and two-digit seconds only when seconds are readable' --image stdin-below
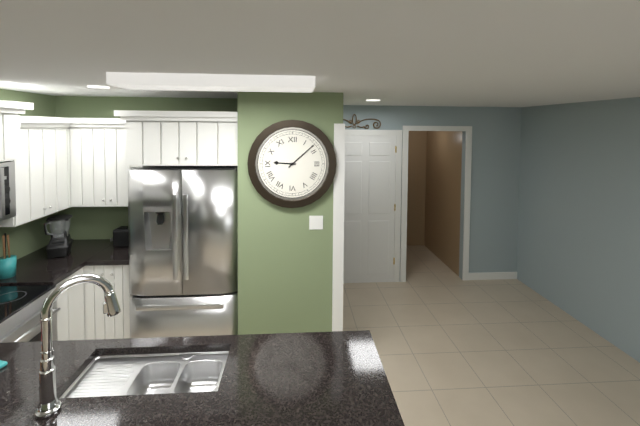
9.08
